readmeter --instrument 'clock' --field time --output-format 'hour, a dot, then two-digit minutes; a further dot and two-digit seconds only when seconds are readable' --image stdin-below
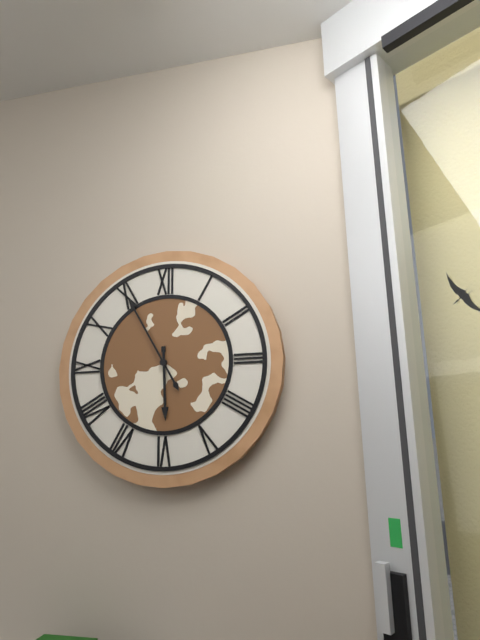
5.55
